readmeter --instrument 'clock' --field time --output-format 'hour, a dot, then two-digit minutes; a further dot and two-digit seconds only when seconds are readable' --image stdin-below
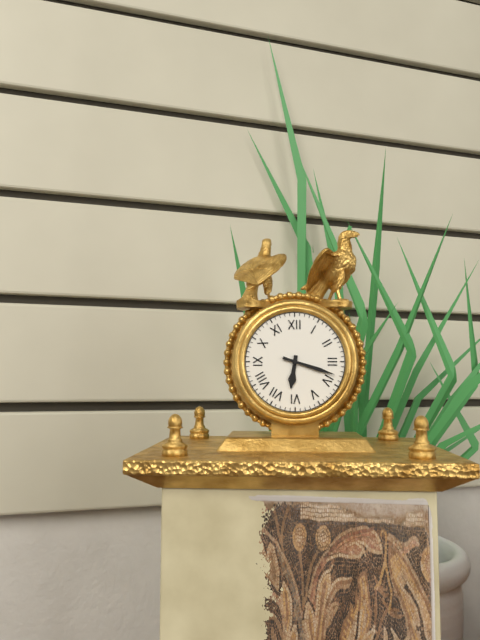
6.18
